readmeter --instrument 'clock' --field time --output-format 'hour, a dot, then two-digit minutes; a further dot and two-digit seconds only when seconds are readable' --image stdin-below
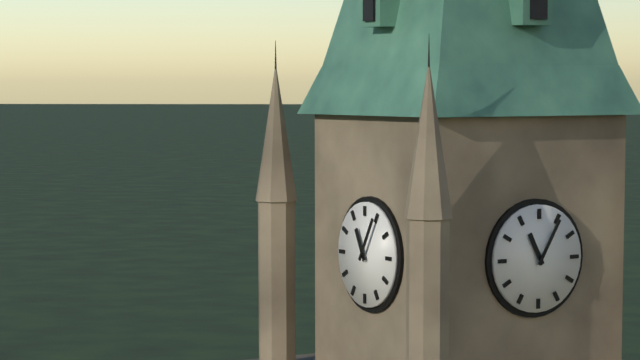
11.05
